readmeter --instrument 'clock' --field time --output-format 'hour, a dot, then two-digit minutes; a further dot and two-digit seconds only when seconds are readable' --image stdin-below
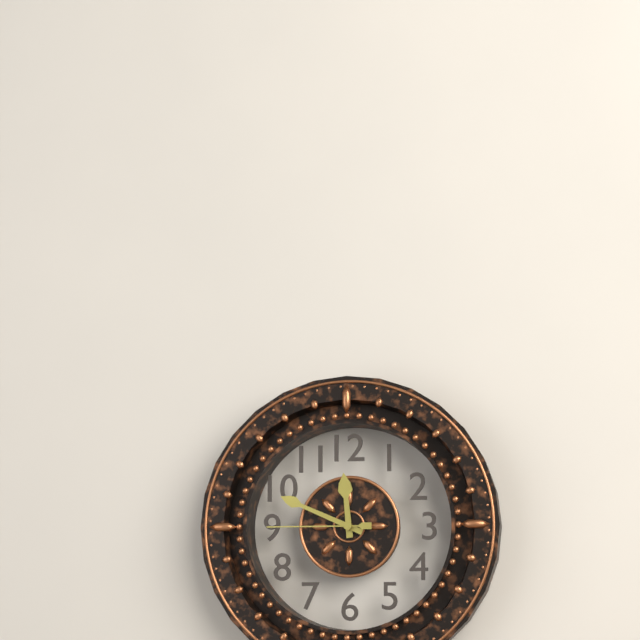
11.49.45
